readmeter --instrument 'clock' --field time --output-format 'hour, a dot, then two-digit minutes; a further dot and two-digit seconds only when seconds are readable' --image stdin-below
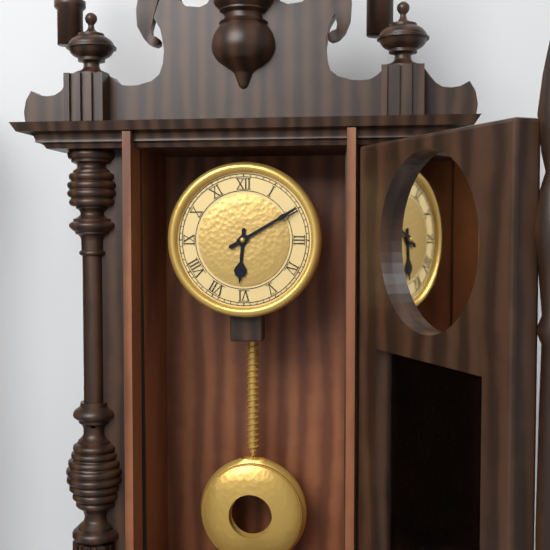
6.10
